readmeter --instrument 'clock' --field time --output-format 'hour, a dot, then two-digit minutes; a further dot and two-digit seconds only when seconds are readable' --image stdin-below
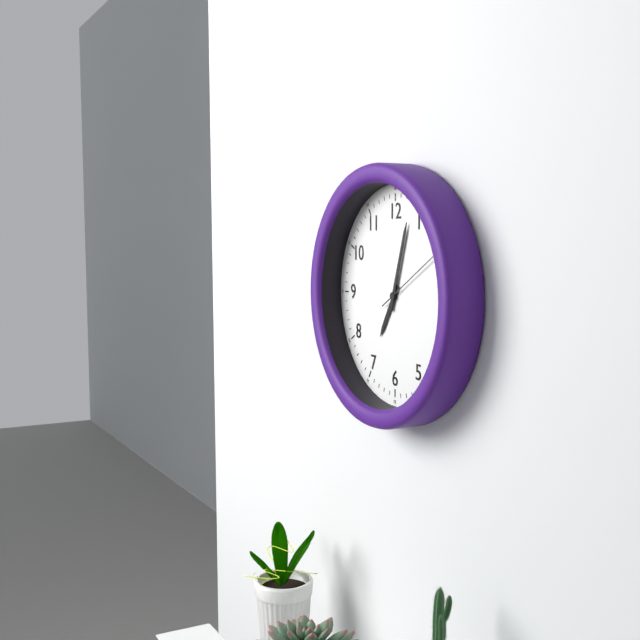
7.03.10
